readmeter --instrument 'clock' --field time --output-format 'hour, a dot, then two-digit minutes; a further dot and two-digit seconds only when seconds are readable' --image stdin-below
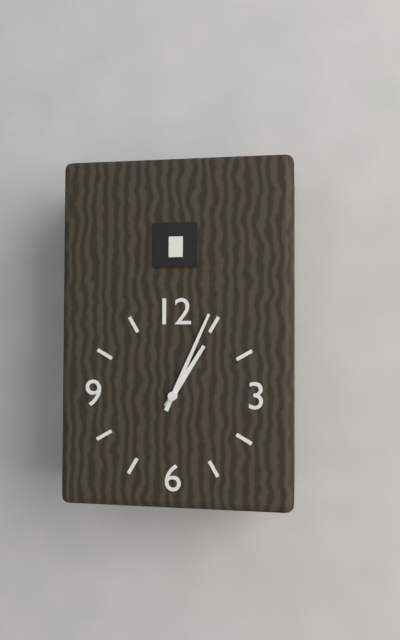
1.04
